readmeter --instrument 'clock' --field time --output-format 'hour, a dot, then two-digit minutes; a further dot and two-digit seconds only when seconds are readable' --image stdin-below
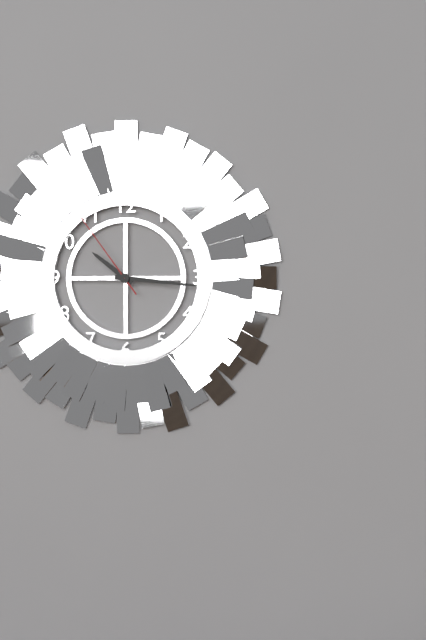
10.16.54
